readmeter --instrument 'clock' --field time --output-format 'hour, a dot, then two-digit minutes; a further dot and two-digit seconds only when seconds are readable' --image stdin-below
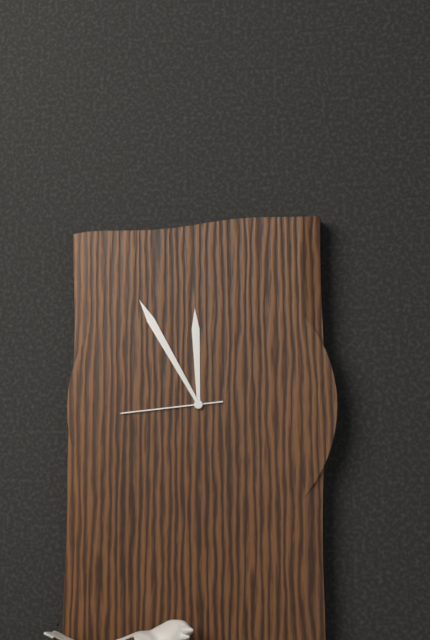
11.55.44
